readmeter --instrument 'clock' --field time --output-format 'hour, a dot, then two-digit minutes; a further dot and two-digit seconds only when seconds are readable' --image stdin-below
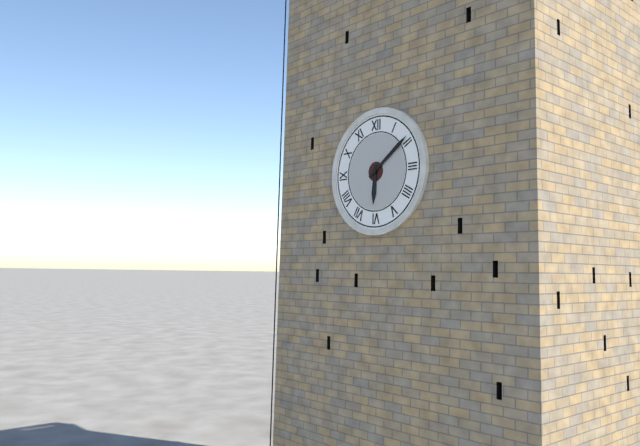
6.09
